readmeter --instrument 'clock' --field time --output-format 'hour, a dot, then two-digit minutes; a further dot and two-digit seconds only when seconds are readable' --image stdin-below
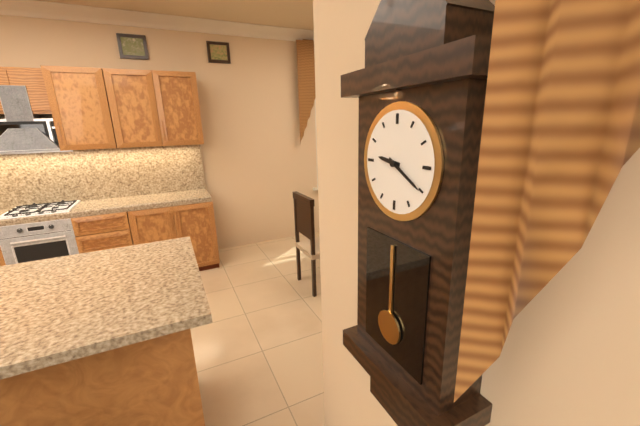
9.20
